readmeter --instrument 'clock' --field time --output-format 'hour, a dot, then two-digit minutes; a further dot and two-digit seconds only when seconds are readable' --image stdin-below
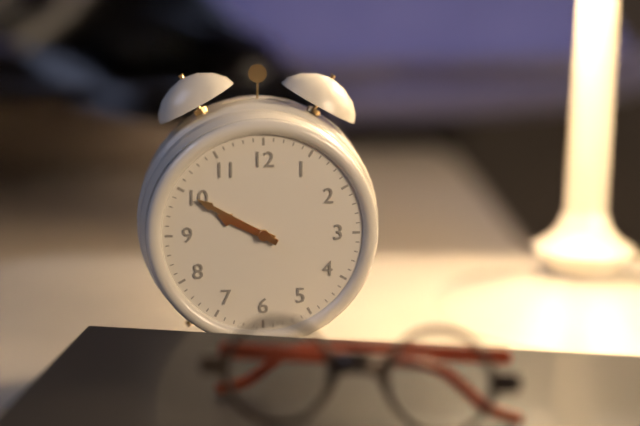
9.50
